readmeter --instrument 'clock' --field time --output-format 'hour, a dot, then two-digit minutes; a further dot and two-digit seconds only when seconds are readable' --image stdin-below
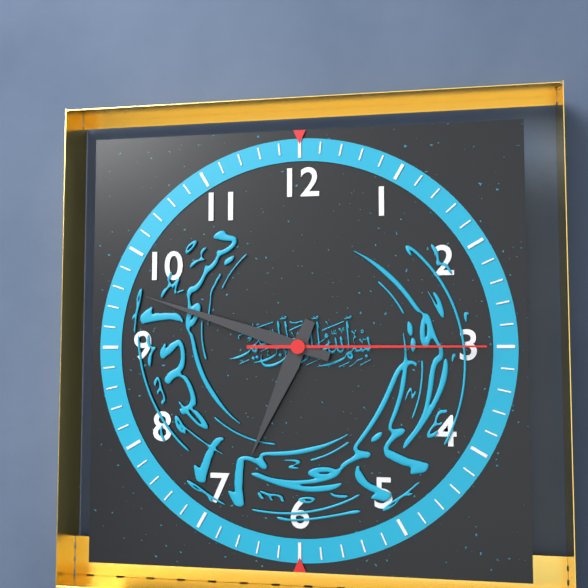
6.48.15
